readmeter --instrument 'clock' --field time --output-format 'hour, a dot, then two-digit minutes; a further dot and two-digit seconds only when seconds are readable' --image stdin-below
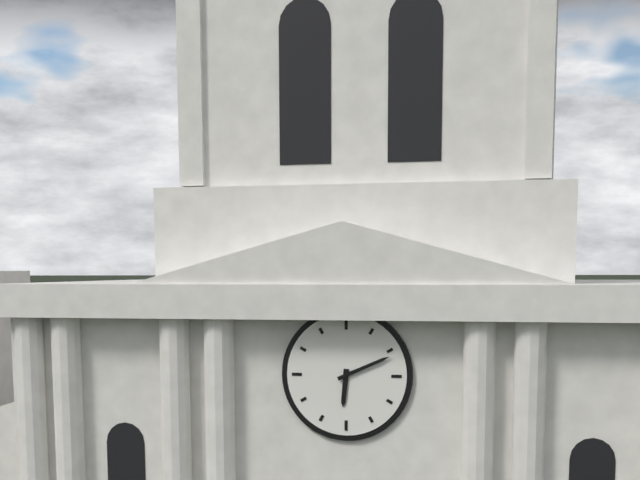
6.11
